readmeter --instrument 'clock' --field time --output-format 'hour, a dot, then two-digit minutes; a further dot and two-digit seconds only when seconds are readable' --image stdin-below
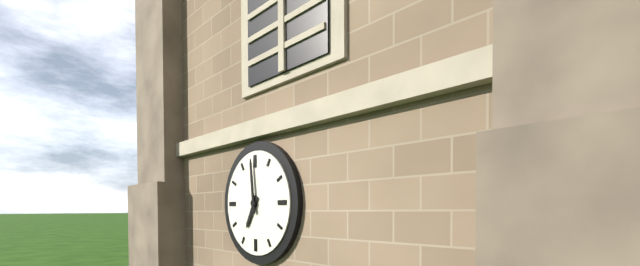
6.59
